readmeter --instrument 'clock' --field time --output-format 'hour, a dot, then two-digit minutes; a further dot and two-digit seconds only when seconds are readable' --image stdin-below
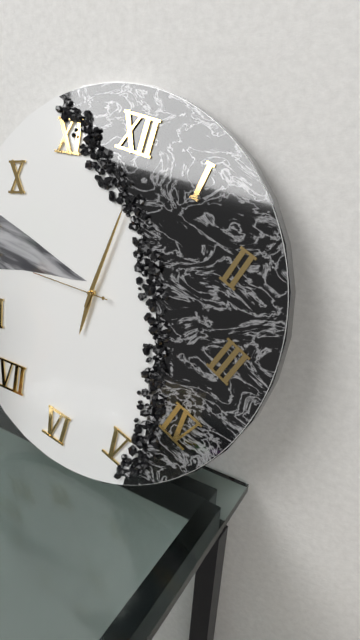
6.01.44
